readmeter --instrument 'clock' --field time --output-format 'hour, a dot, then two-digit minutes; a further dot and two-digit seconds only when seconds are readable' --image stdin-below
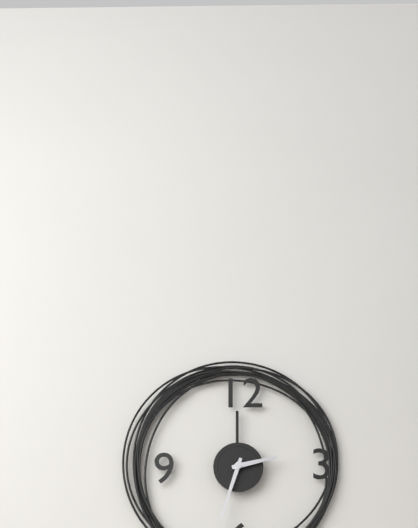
2.33
